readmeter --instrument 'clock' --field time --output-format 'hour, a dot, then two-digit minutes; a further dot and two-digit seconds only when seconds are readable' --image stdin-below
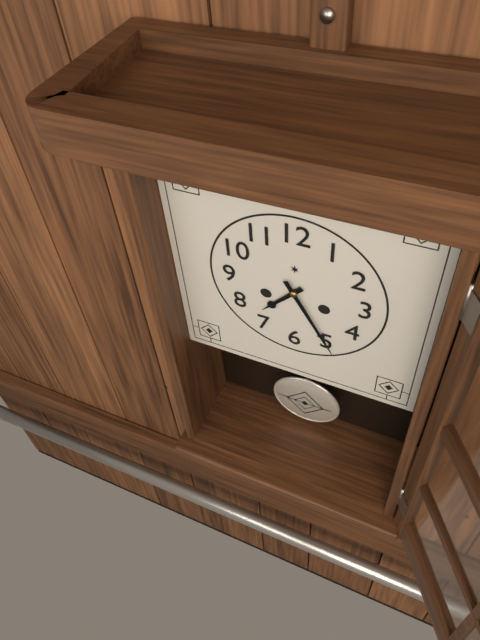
7.25
